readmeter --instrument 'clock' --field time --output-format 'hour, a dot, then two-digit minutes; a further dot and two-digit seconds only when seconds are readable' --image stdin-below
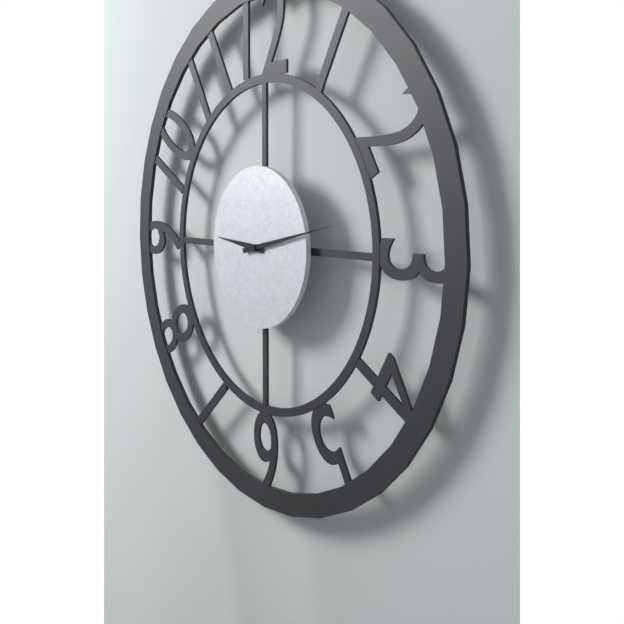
9.13
